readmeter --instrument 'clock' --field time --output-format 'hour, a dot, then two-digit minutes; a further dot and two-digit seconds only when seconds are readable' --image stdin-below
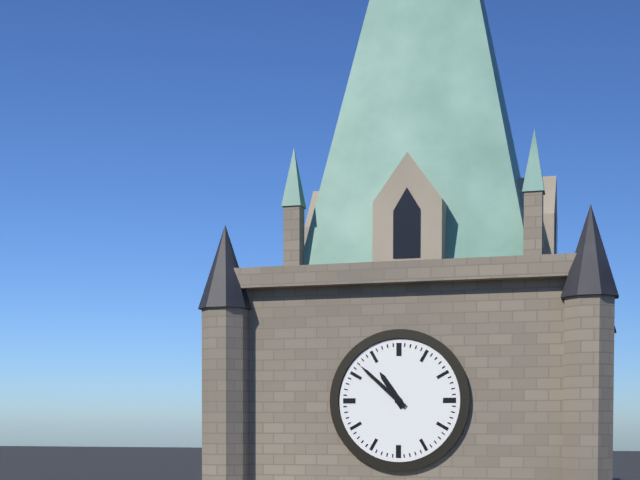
10.52
